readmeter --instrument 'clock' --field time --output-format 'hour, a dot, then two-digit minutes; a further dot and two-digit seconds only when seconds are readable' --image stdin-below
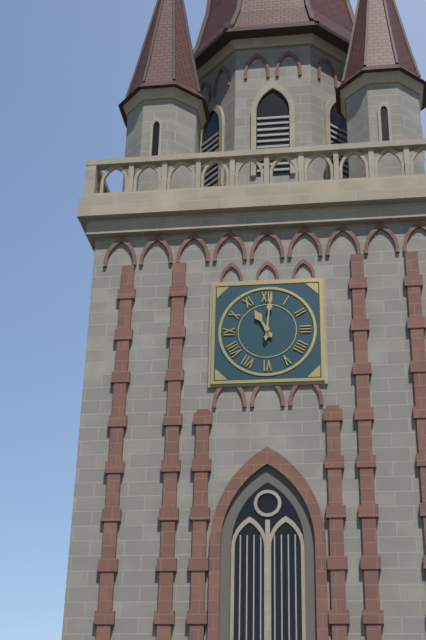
11.01
